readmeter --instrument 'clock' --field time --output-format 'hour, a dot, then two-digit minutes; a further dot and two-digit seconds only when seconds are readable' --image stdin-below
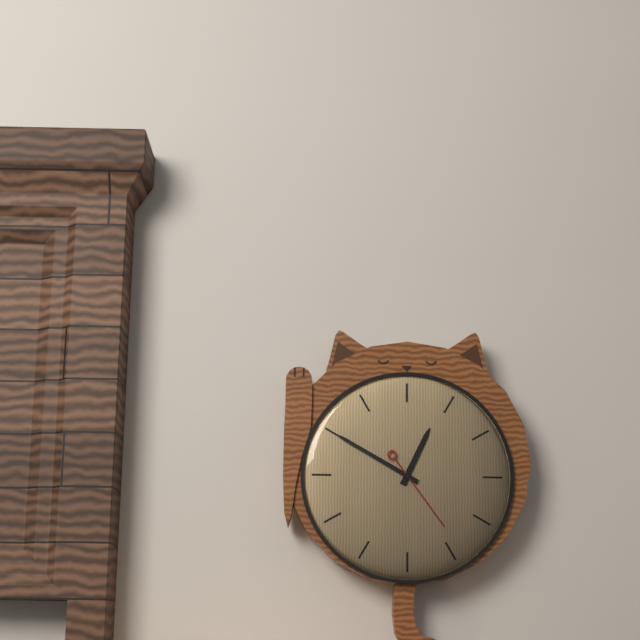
12.50.24
